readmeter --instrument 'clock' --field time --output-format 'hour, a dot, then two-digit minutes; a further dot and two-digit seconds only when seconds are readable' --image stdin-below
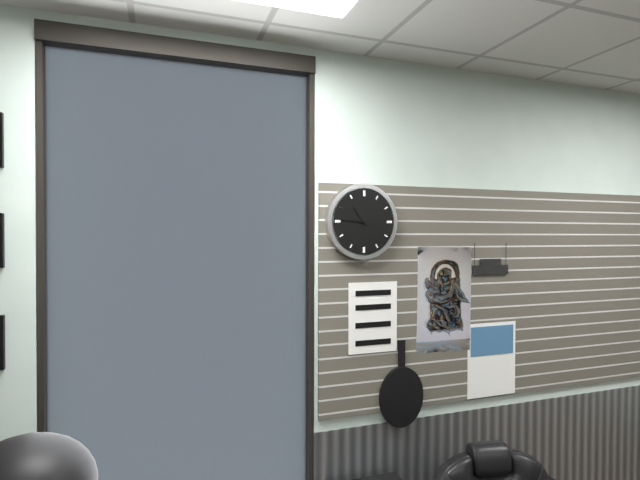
10.46
